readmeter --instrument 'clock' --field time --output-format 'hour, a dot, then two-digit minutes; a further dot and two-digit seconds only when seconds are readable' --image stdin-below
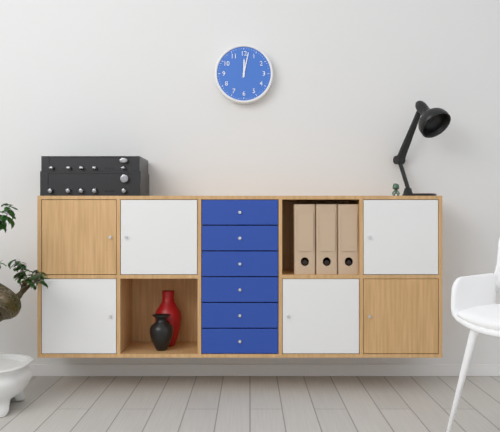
12.02
